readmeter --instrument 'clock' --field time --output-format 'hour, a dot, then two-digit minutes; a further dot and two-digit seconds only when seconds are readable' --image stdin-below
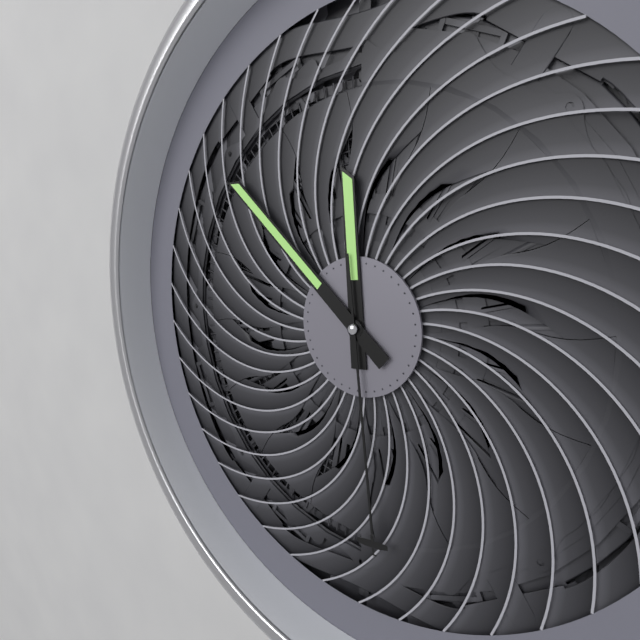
11.52.29
